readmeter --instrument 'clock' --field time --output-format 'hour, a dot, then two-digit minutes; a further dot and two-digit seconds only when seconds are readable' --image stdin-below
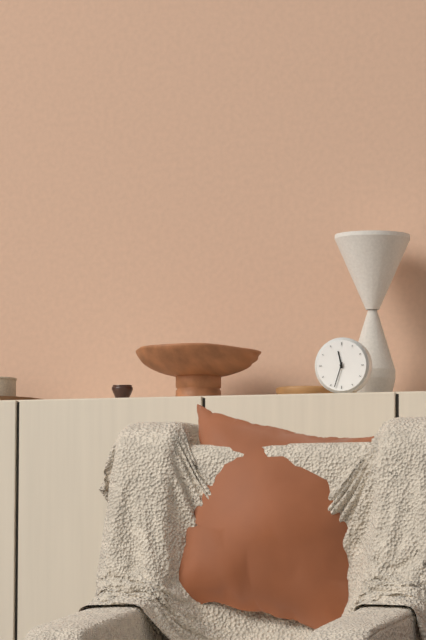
11.33
